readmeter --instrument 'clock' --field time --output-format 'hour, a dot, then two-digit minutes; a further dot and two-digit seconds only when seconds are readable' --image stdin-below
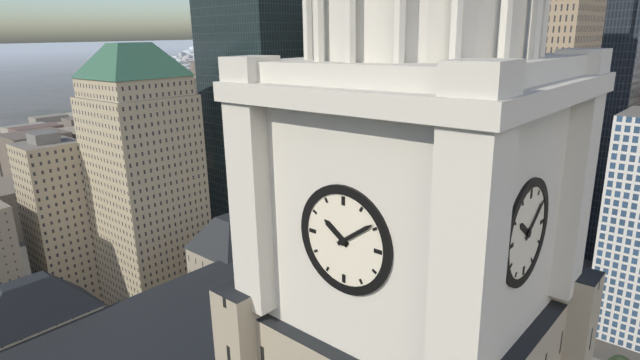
10.09
